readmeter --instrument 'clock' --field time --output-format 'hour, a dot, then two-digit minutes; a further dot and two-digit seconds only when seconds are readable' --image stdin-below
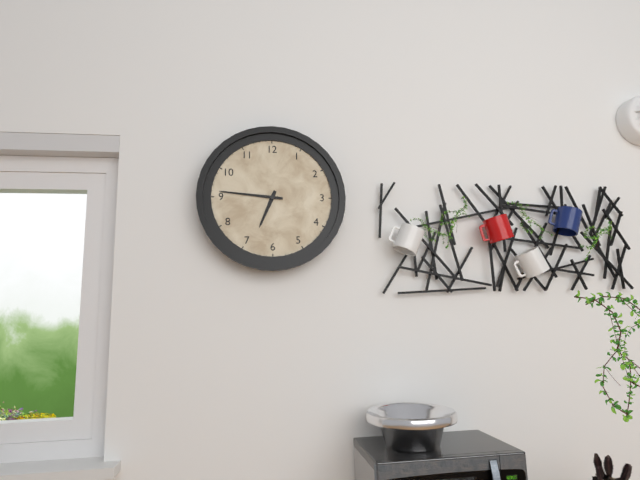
6.46
